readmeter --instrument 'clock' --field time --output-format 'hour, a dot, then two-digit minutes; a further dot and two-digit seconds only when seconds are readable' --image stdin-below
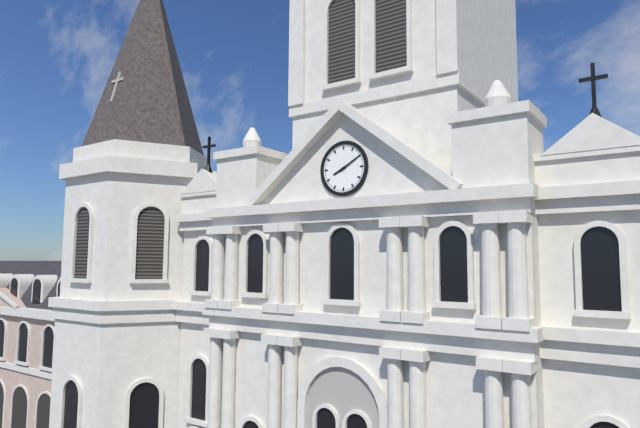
8.10
